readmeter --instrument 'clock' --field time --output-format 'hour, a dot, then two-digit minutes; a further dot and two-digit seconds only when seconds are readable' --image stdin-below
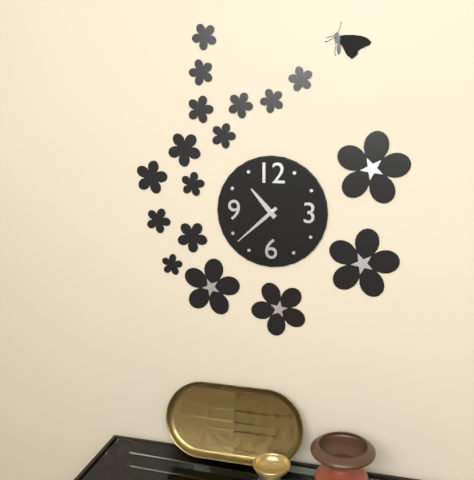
10.38
